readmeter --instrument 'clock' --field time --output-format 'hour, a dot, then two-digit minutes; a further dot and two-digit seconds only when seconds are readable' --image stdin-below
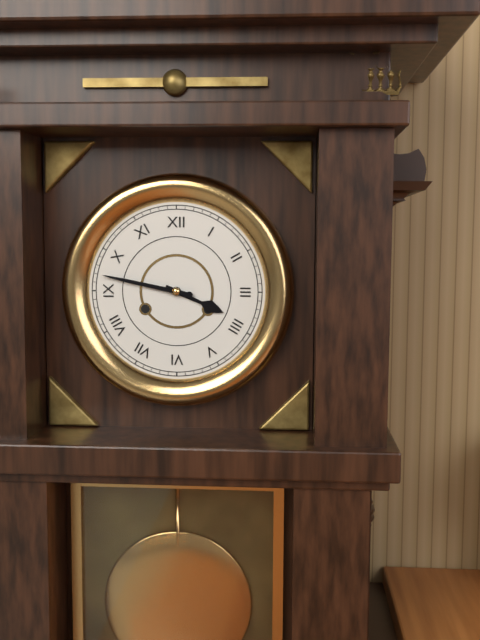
3.47
